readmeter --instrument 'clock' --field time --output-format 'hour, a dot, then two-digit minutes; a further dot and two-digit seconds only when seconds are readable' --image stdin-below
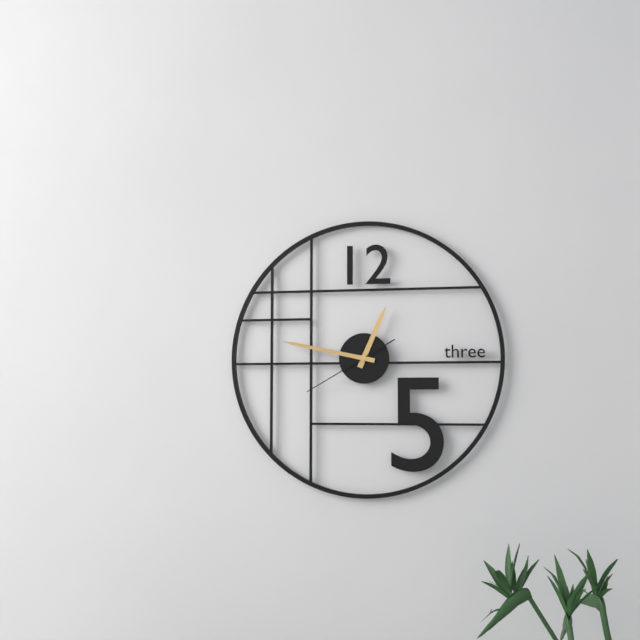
12.47.40
